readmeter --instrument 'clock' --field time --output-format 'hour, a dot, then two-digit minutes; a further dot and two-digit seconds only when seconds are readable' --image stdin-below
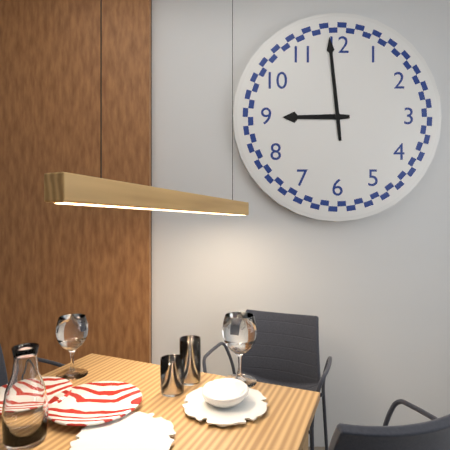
8.59
